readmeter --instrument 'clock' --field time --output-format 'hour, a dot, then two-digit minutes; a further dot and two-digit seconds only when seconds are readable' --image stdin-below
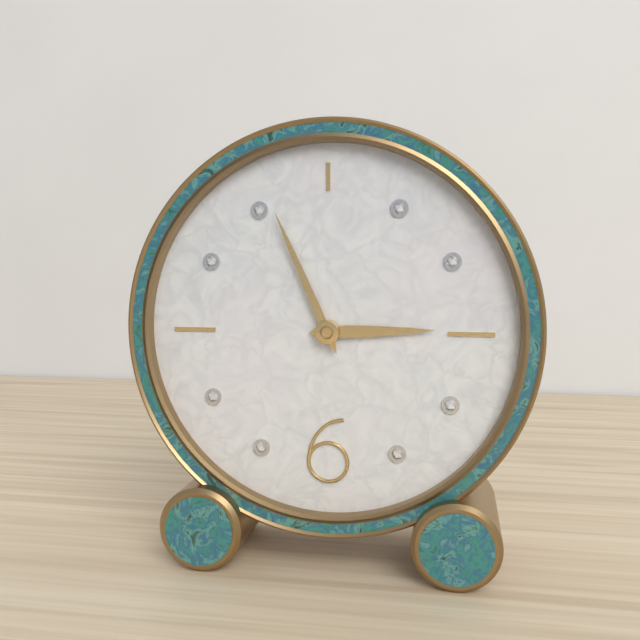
2.56
